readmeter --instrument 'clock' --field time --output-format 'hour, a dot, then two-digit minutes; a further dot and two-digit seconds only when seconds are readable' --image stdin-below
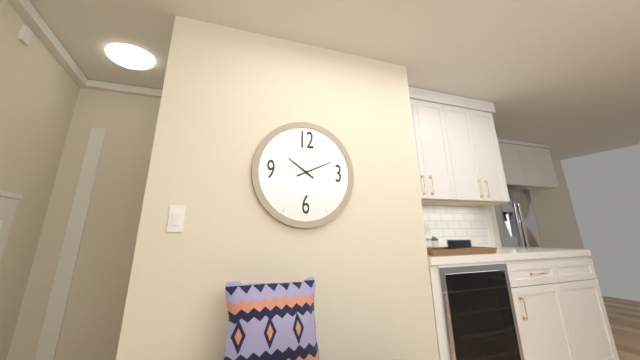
10.11
